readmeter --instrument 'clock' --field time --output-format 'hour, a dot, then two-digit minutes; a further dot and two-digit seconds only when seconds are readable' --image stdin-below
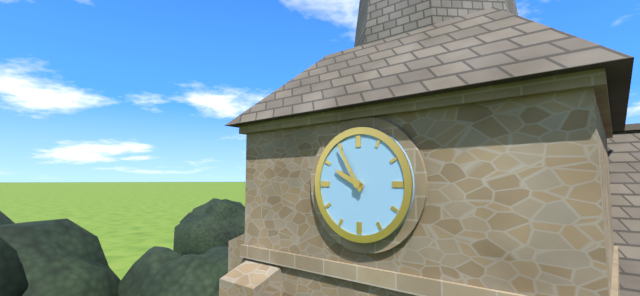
9.55
